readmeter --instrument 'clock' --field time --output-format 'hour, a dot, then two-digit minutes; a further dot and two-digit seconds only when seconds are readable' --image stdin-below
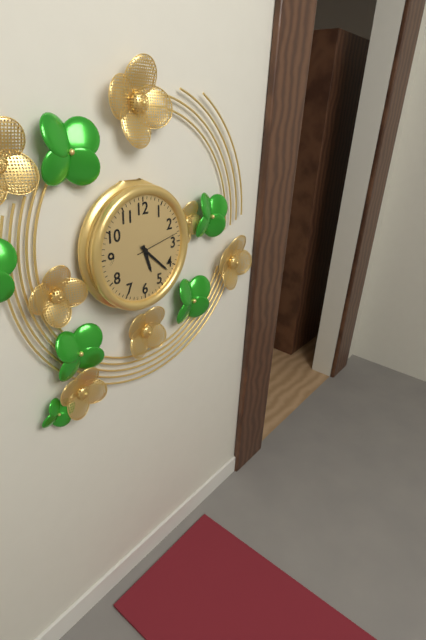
5.22
